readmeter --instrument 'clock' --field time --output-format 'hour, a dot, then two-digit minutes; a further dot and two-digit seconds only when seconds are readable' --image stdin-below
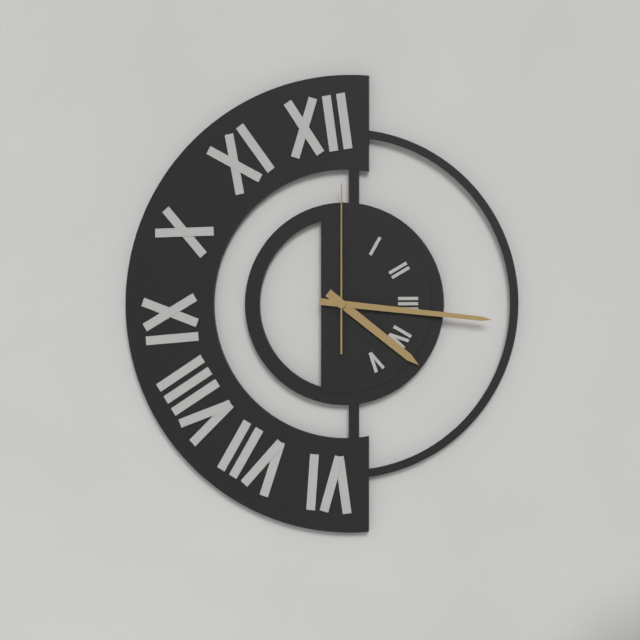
4.16.00
